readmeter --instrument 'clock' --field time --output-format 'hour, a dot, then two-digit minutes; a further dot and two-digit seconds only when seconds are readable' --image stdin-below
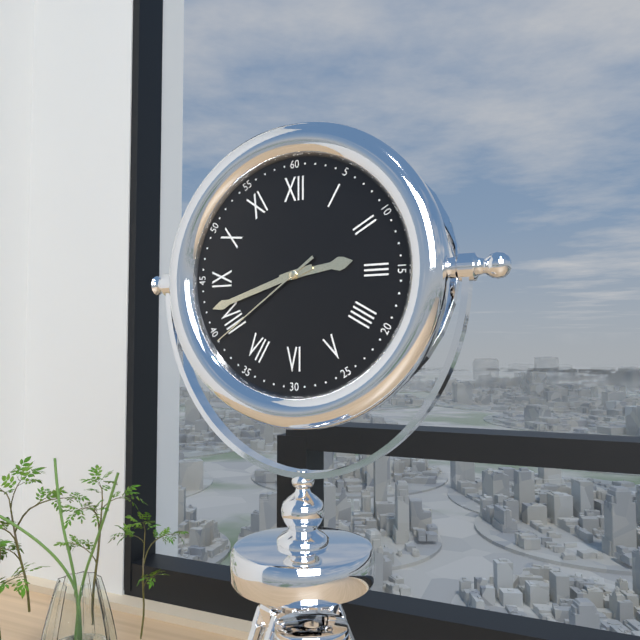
2.42.39
